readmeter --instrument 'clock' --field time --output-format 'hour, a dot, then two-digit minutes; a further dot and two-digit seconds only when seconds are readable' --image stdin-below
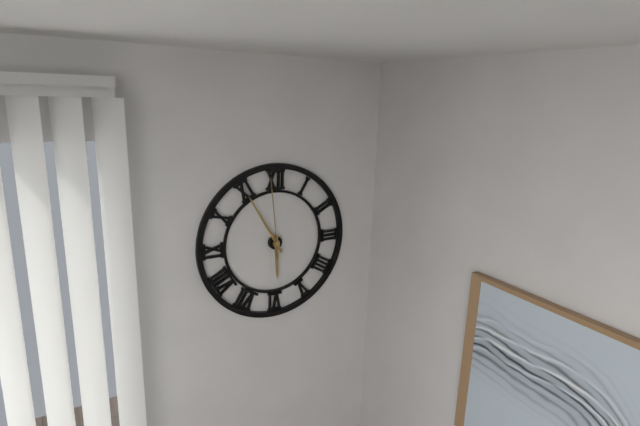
5.55.59
